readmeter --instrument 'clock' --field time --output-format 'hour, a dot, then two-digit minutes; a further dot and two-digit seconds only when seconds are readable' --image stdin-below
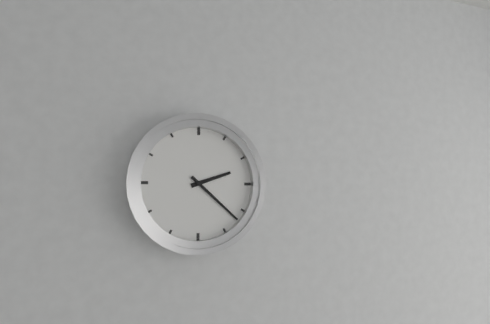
2.22
